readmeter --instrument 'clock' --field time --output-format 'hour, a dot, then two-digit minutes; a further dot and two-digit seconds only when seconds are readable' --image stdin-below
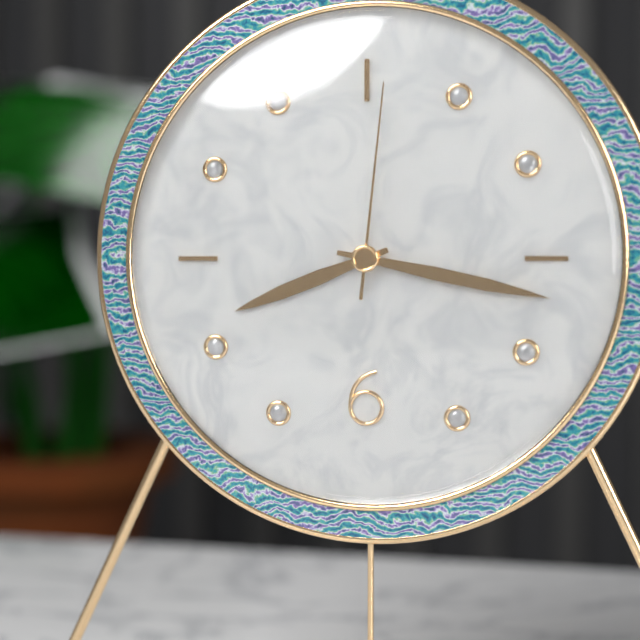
8.17.01
